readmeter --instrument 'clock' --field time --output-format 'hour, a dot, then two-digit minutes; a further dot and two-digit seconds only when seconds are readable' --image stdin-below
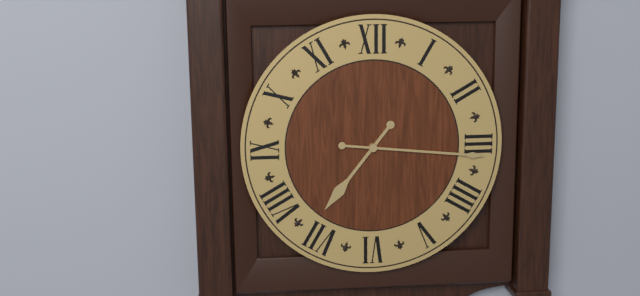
7.16
